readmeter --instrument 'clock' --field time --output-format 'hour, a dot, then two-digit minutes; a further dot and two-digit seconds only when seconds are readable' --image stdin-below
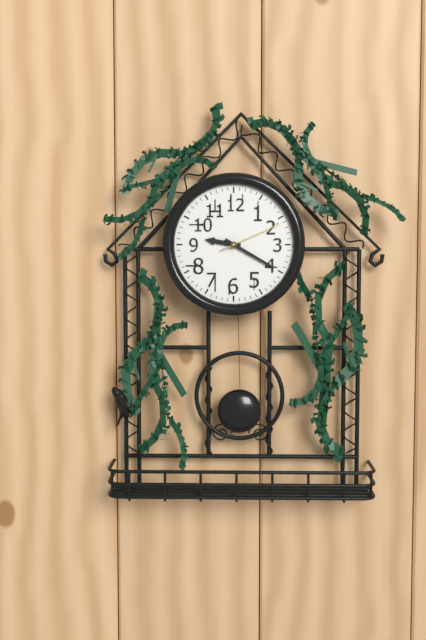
9.20.11
